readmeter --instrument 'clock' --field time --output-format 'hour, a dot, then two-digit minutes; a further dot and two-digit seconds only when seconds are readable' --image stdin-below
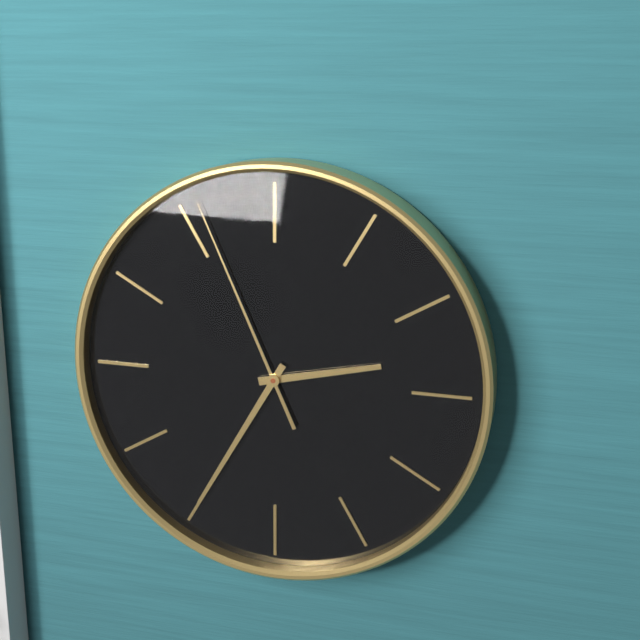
2.35.56
